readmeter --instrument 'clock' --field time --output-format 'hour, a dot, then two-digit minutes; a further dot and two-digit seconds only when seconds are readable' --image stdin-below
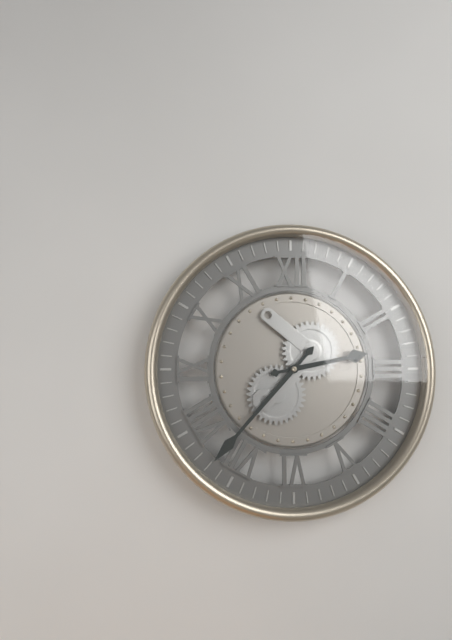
2.37
